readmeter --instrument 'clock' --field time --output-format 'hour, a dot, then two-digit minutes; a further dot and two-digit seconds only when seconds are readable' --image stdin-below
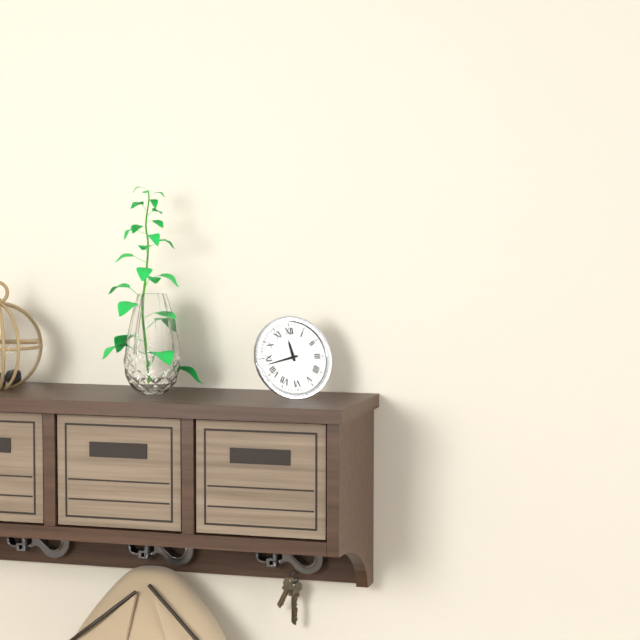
11.43
